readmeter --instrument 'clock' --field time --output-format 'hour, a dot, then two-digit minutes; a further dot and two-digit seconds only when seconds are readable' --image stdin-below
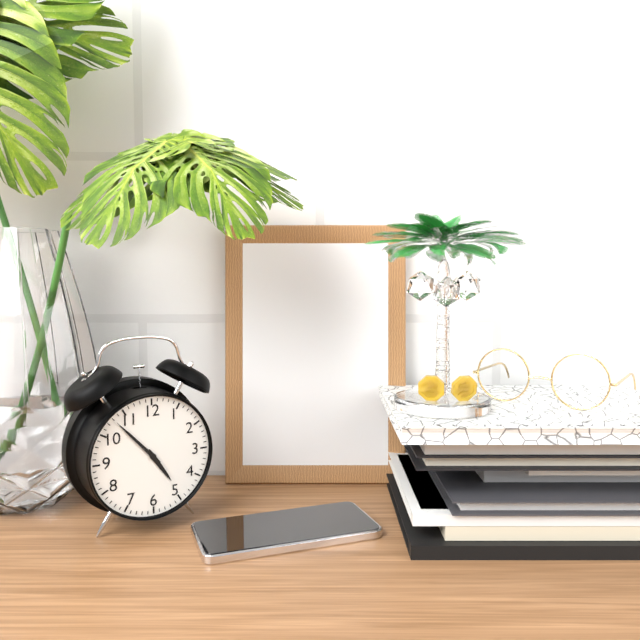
4.53
